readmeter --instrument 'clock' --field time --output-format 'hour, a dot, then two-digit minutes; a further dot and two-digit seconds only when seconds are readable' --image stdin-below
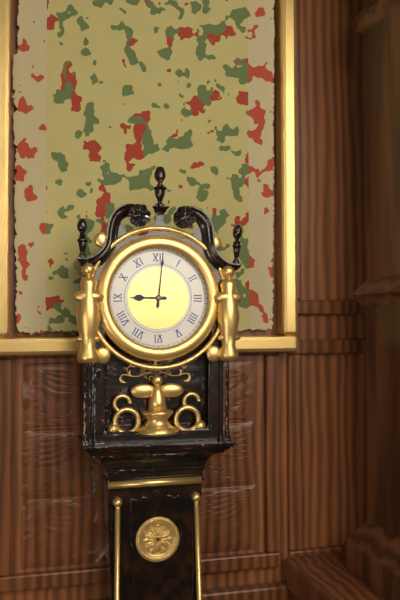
9.01
